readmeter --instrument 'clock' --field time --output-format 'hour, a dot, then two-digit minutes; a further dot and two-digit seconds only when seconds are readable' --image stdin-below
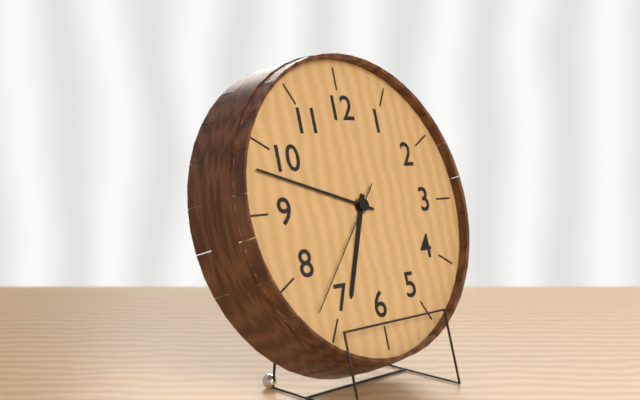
6.48.37
